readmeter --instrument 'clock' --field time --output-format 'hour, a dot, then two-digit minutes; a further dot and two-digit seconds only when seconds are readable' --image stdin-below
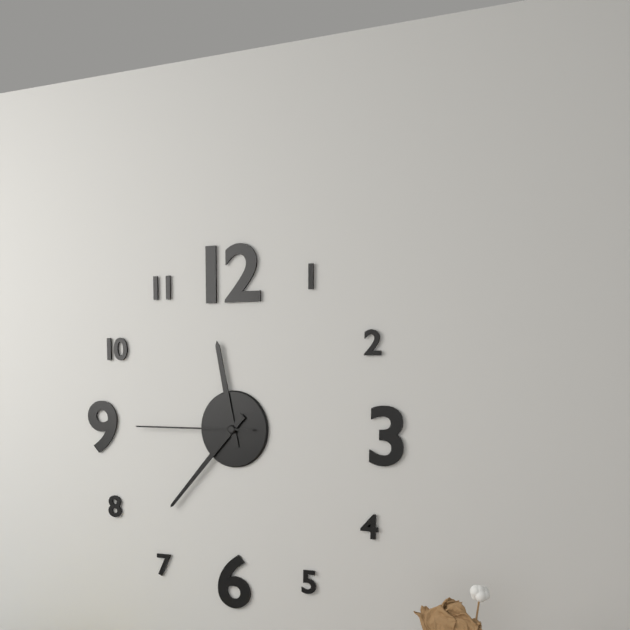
11.37.45
